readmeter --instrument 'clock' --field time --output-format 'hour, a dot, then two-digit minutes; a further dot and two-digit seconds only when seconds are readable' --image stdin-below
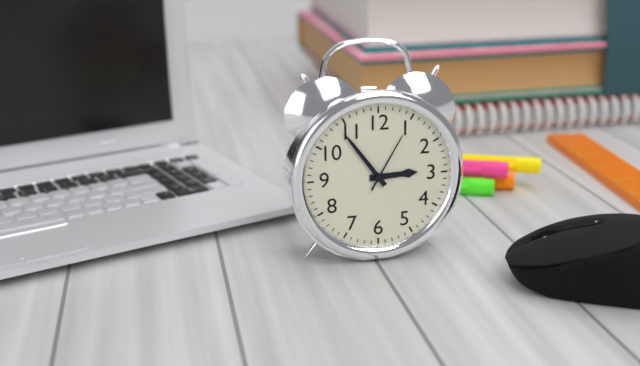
2.54.05
